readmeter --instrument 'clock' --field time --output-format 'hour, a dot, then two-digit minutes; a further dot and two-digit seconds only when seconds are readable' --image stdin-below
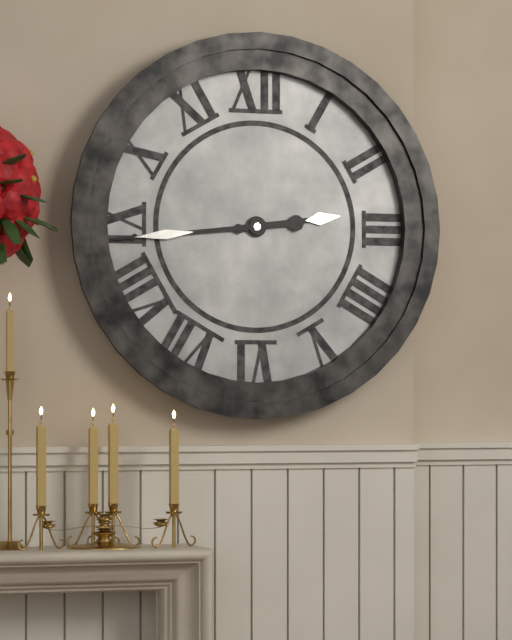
2.44
